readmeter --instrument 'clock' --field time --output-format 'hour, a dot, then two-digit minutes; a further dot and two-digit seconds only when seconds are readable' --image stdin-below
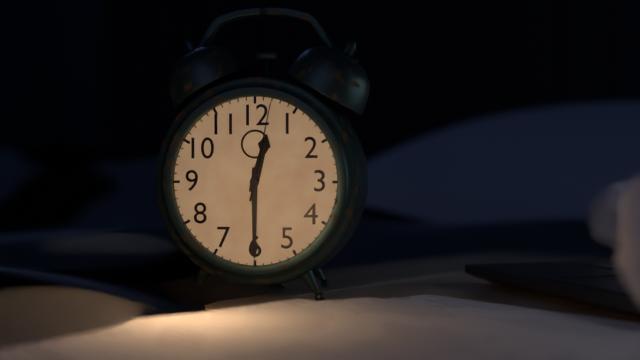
12.30.02
